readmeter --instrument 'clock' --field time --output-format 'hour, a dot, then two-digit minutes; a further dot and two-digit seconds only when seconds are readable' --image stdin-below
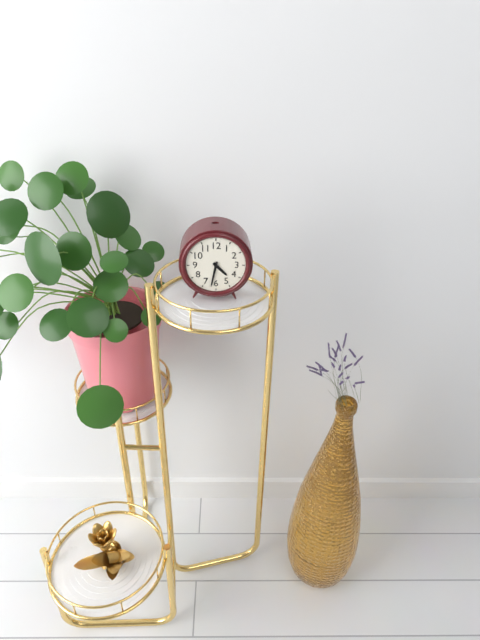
4.32
